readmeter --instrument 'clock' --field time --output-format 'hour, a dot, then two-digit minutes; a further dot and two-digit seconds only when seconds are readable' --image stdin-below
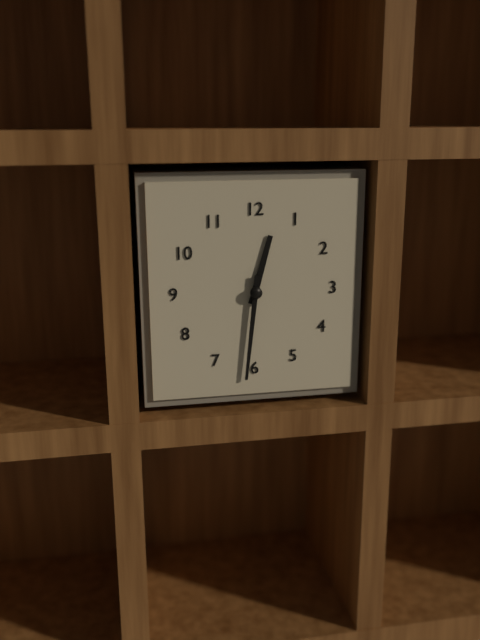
12.31
